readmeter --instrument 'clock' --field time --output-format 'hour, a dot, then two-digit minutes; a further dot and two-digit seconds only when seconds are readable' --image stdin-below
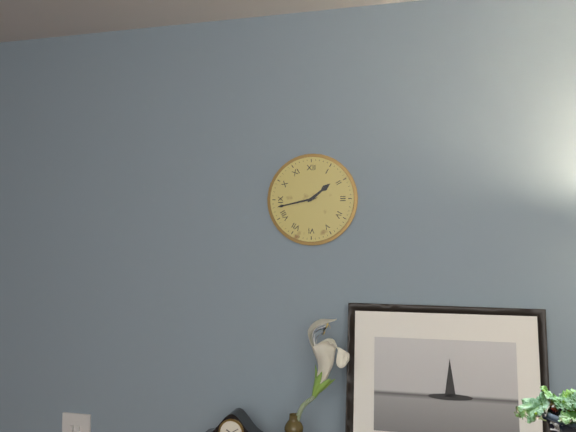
1.43
